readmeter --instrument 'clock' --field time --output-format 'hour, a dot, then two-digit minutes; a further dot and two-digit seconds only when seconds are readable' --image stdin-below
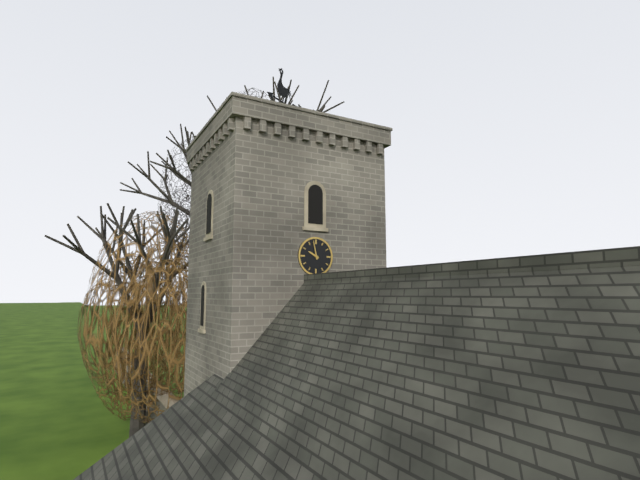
9.58
